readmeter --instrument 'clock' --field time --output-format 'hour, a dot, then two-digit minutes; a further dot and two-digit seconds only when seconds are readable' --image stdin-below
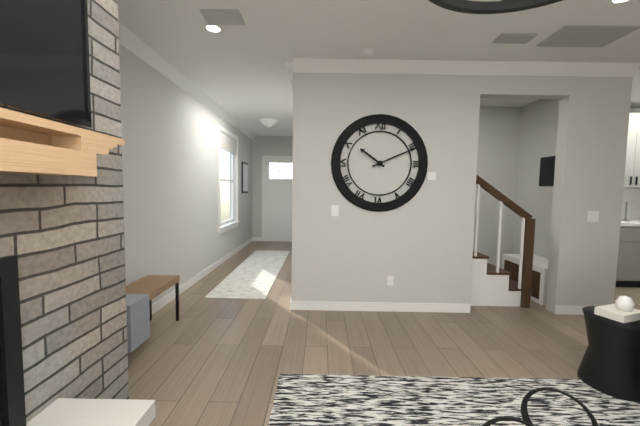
10.11
